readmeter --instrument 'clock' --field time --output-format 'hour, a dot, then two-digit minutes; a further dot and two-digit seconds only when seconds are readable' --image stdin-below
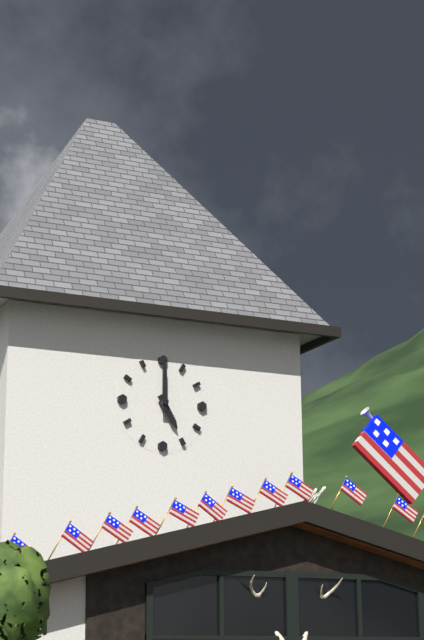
5.00
